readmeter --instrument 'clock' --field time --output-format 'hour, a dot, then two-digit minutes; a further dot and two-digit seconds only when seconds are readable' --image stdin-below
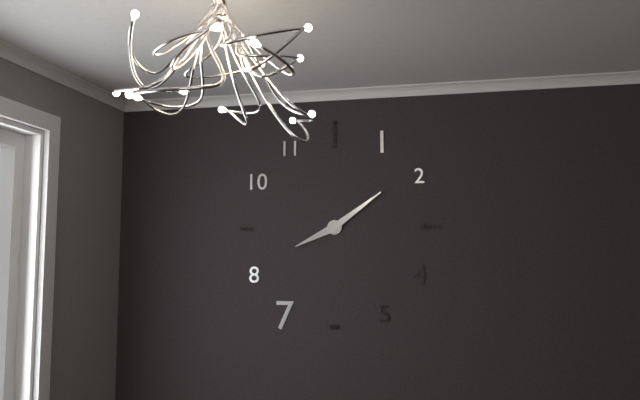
8.09
